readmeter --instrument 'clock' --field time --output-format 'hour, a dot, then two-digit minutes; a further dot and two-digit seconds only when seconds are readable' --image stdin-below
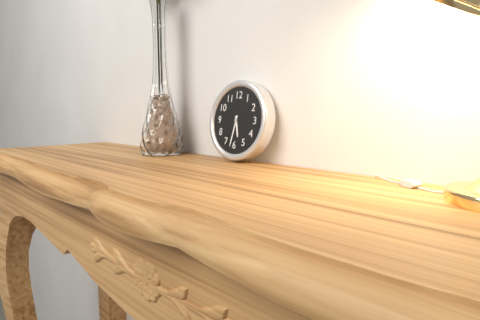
5.32
